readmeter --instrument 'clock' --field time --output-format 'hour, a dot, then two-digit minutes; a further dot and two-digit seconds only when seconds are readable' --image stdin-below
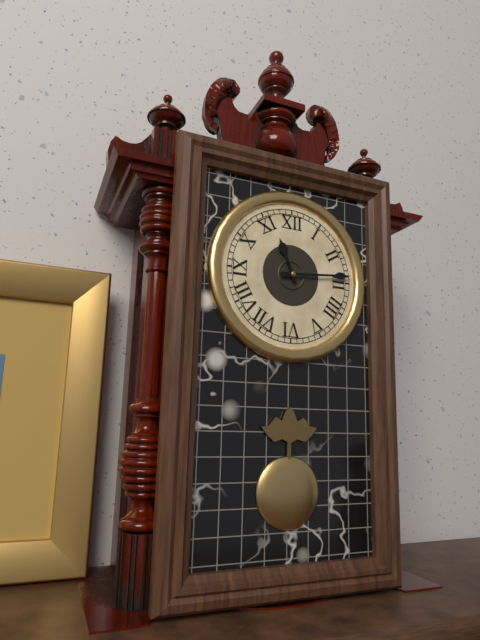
11.14
